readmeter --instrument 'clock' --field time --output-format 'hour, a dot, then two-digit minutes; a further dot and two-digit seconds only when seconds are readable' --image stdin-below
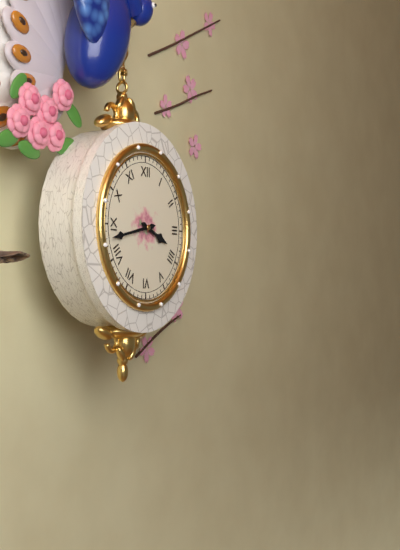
3.43
